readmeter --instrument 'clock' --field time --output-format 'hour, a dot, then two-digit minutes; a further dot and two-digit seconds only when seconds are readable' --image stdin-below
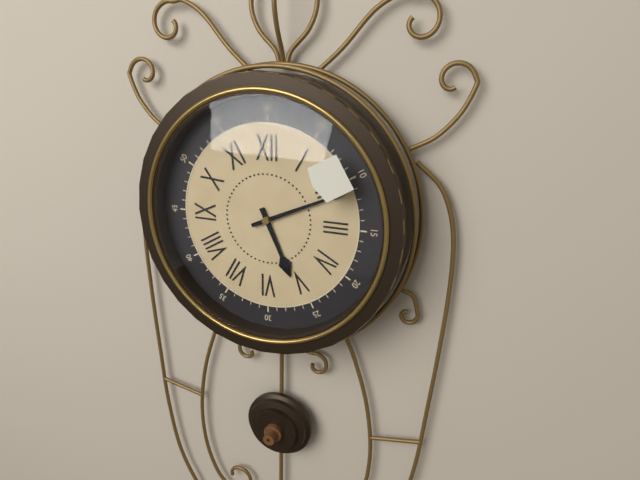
5.11
